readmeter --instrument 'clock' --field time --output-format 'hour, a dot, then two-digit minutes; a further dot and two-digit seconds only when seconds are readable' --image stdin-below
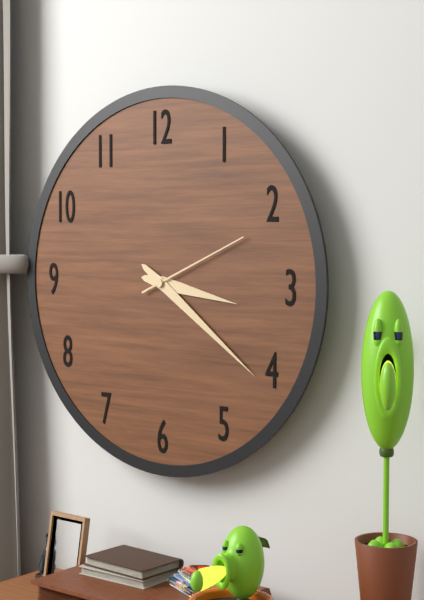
3.21.11
